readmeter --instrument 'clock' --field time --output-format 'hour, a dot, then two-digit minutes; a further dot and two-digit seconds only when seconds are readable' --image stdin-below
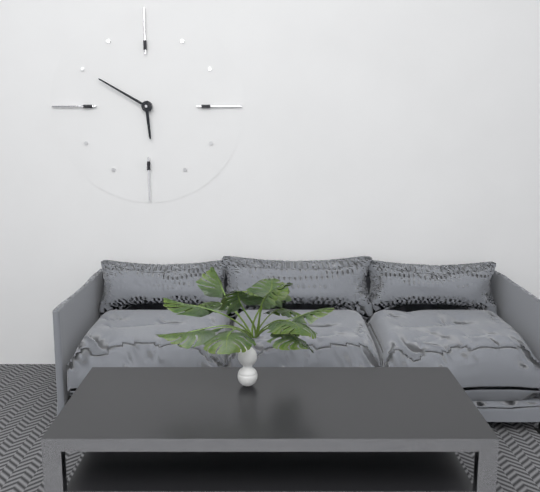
5.50
